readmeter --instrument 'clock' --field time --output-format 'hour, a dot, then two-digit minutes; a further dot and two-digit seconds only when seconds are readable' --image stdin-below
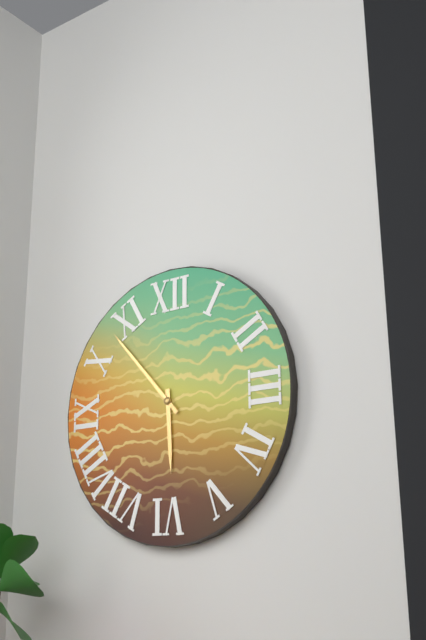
5.53
